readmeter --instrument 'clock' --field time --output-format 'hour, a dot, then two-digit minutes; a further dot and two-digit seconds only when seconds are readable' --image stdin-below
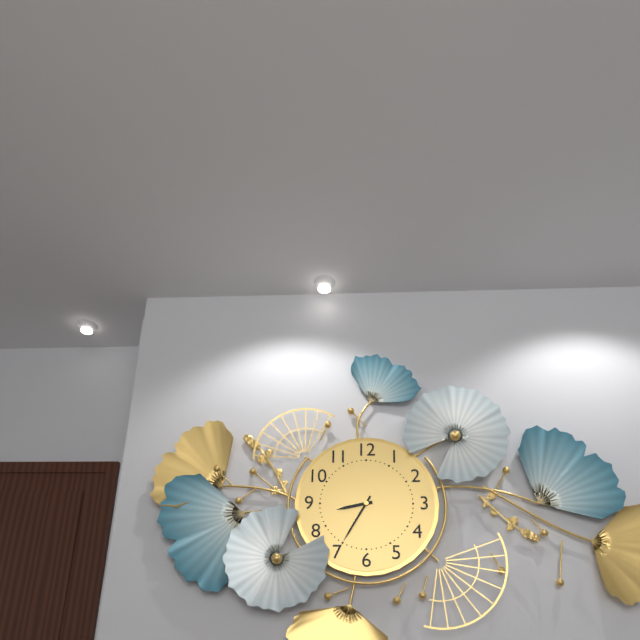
8.35
